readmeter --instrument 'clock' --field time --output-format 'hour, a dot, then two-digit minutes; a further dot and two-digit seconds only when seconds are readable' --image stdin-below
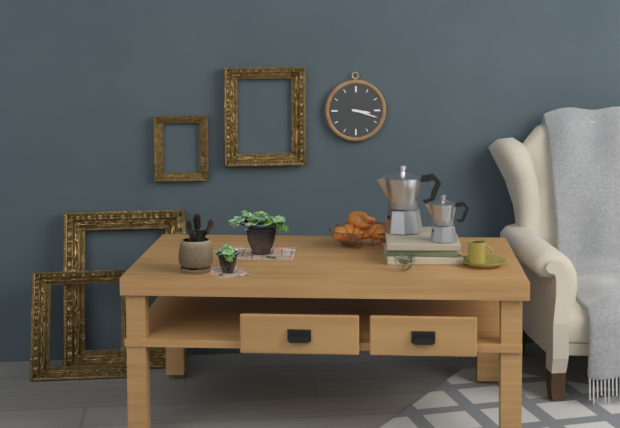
3.18
